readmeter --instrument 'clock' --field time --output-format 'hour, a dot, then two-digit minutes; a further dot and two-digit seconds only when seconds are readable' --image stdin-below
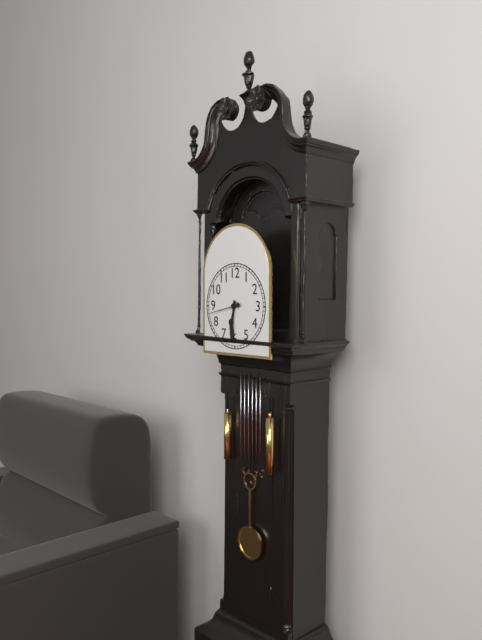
6.31
